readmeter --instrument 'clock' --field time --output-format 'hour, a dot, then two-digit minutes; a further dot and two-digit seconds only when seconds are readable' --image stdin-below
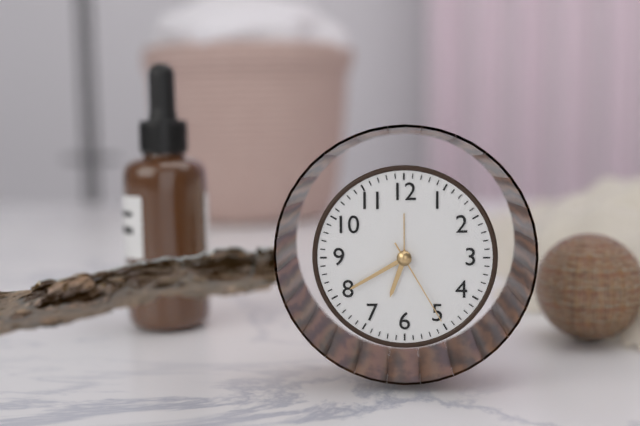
6.40.25
